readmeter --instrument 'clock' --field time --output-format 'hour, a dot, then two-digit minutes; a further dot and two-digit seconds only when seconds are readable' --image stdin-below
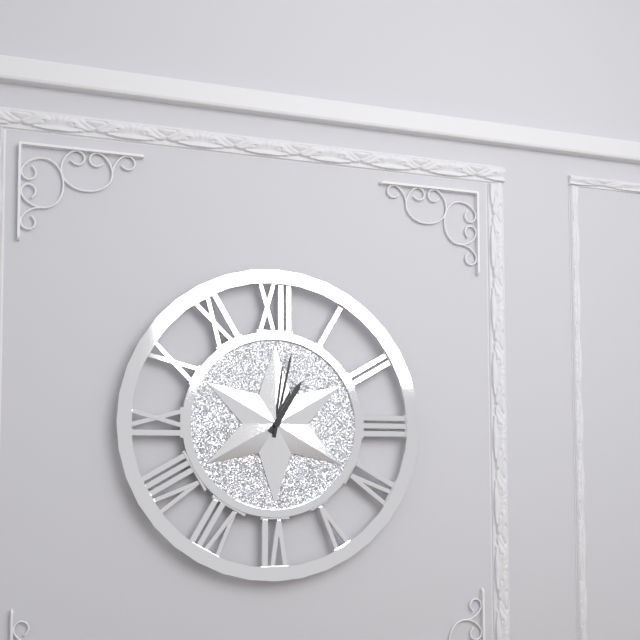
1.02
